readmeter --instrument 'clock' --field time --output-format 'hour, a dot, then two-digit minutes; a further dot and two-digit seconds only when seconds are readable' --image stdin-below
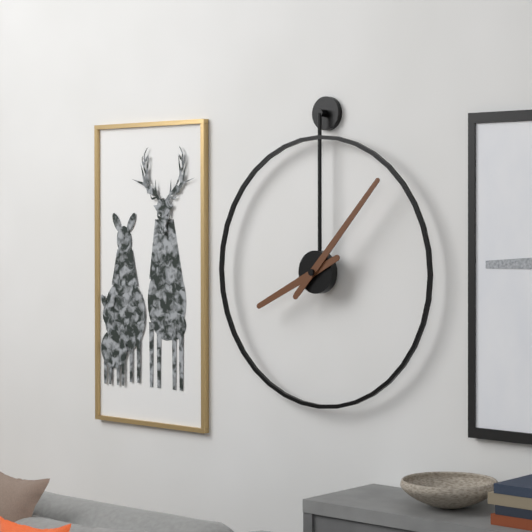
8.07
